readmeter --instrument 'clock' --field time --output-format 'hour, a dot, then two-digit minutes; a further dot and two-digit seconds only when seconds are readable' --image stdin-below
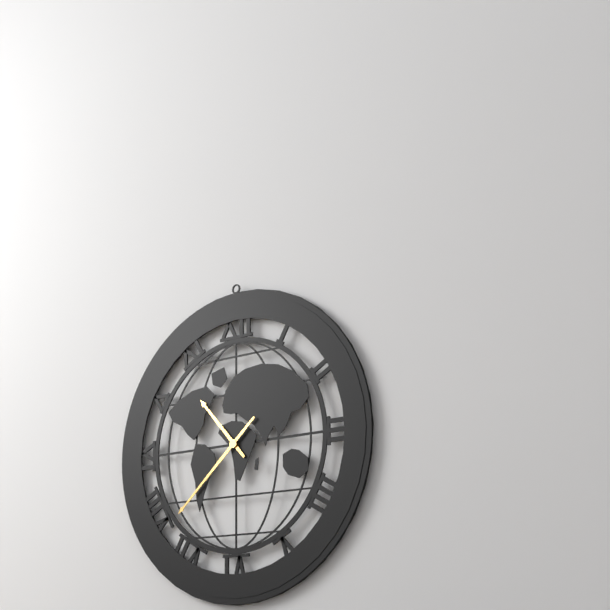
10.38
